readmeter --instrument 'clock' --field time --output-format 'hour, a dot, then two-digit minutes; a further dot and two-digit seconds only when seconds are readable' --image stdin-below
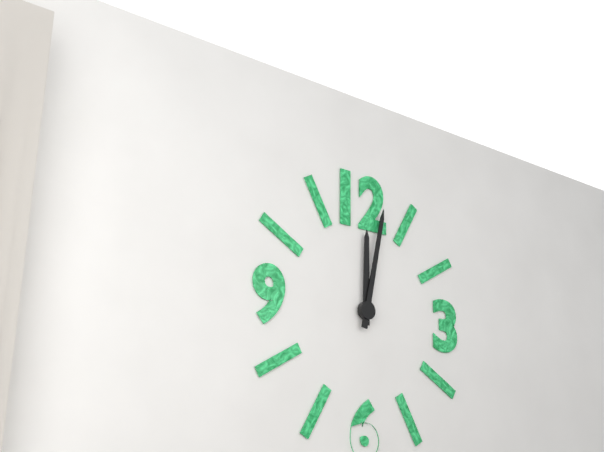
12.02
